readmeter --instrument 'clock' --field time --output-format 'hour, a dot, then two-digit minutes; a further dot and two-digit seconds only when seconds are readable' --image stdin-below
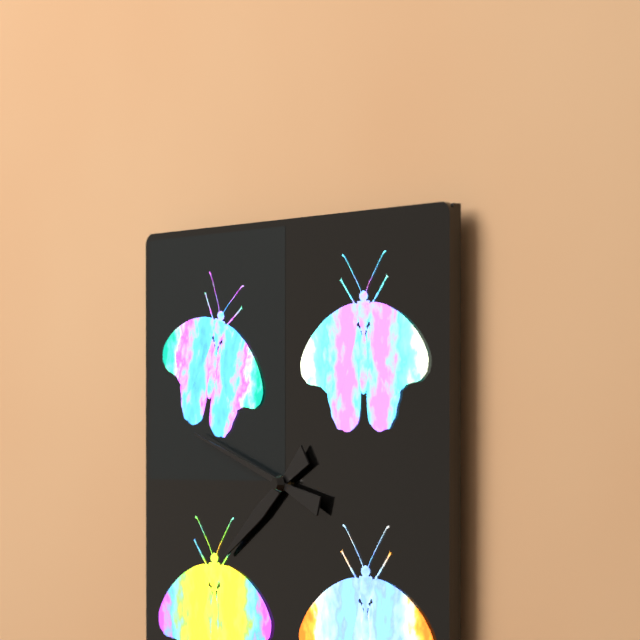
7.48
